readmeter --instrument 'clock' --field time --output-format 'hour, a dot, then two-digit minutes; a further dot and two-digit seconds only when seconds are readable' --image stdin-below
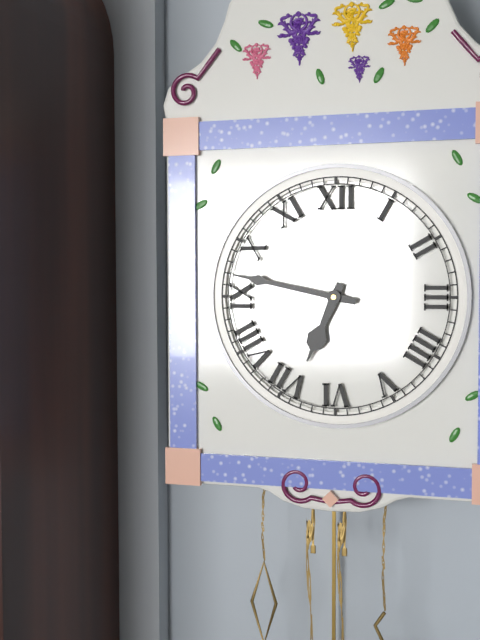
6.47
